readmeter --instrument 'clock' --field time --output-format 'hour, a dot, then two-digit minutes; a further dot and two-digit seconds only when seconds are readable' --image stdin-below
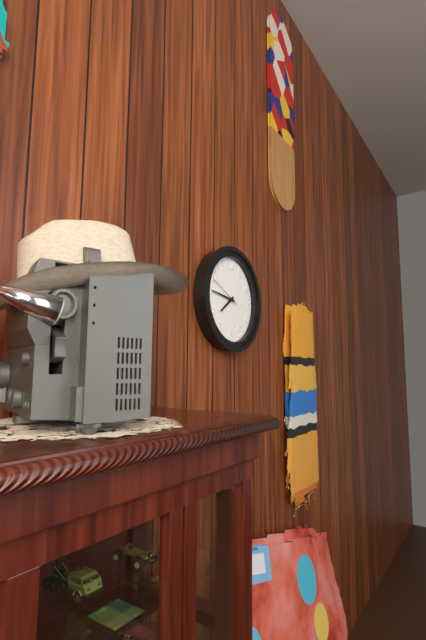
7.46
